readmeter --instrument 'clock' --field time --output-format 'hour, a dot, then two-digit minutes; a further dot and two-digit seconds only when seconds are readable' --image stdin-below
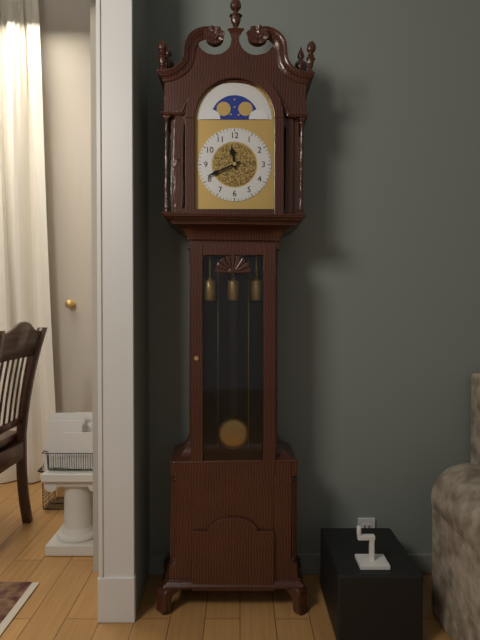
11.41
